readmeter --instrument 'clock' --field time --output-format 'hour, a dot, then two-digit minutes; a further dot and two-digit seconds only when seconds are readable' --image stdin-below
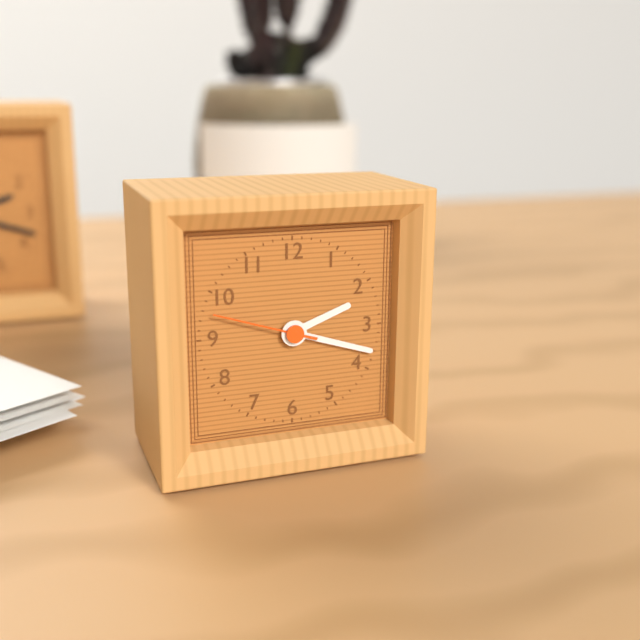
2.18.48
